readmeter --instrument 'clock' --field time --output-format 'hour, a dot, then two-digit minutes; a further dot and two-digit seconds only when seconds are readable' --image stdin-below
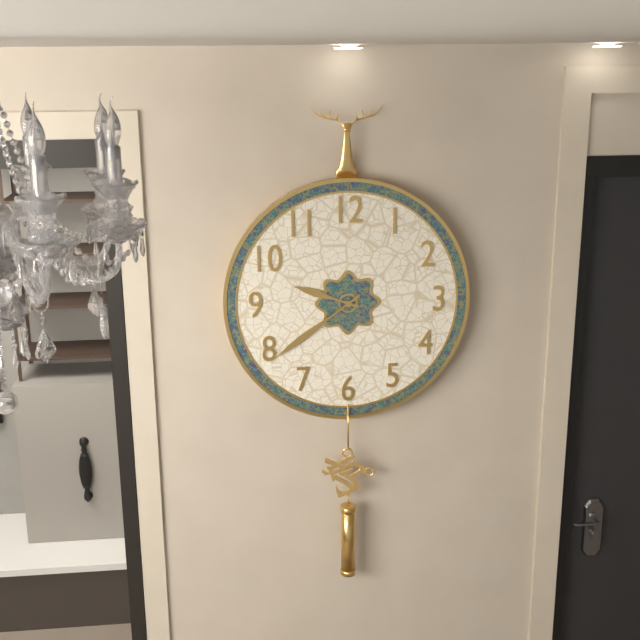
9.39
